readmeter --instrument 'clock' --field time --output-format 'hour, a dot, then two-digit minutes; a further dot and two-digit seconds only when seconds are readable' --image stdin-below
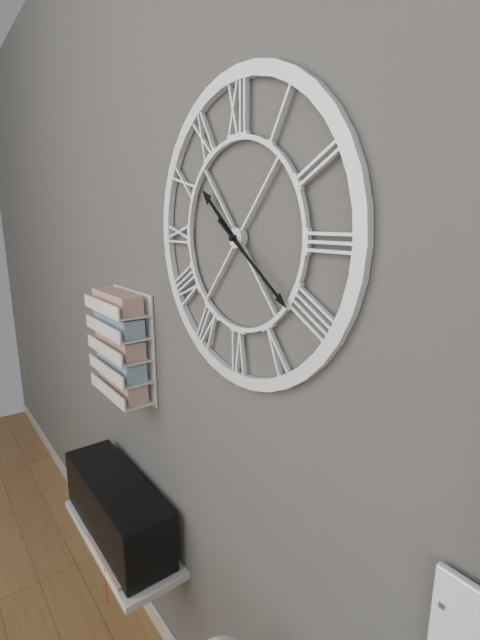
10.21
